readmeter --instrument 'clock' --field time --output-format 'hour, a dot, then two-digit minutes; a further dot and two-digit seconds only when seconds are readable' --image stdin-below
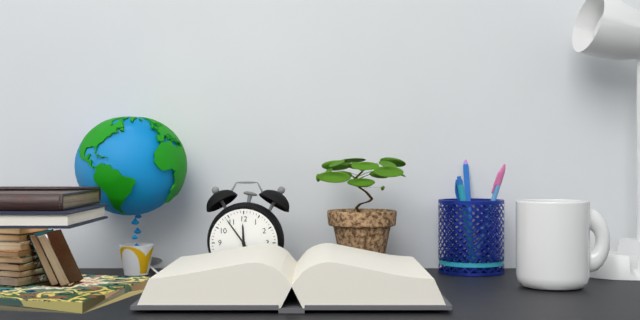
11.54
